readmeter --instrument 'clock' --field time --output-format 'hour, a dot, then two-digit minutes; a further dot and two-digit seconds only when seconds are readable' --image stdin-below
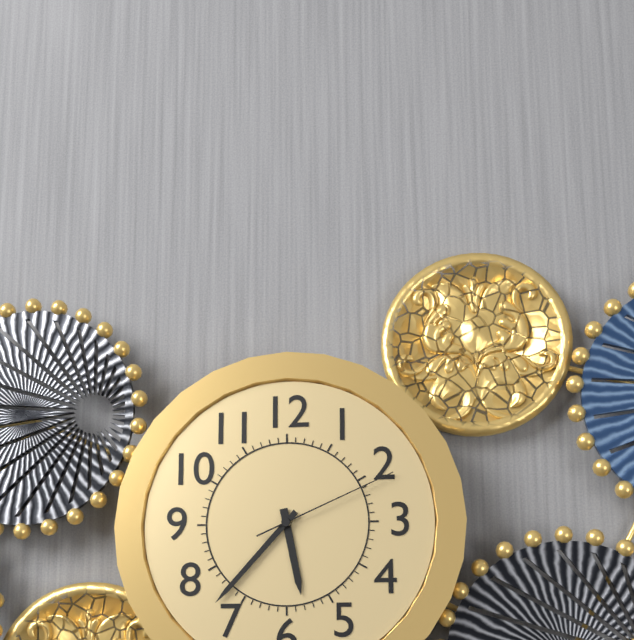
5.37.11
